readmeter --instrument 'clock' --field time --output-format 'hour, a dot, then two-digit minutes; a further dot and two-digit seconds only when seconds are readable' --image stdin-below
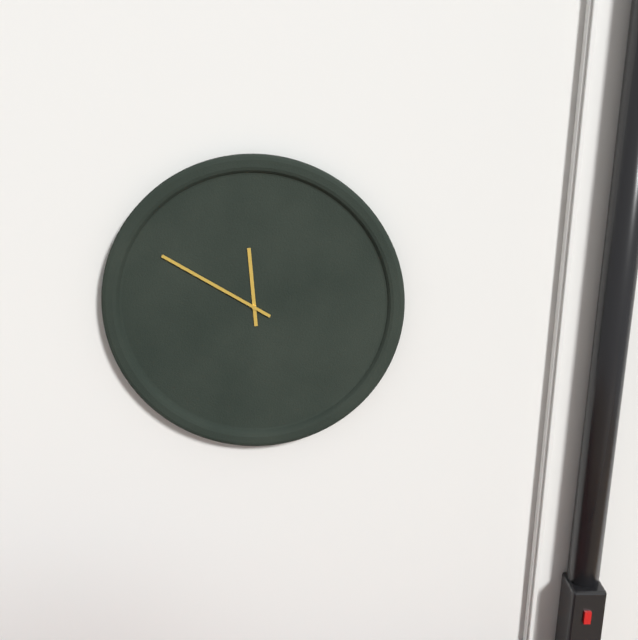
11.50
